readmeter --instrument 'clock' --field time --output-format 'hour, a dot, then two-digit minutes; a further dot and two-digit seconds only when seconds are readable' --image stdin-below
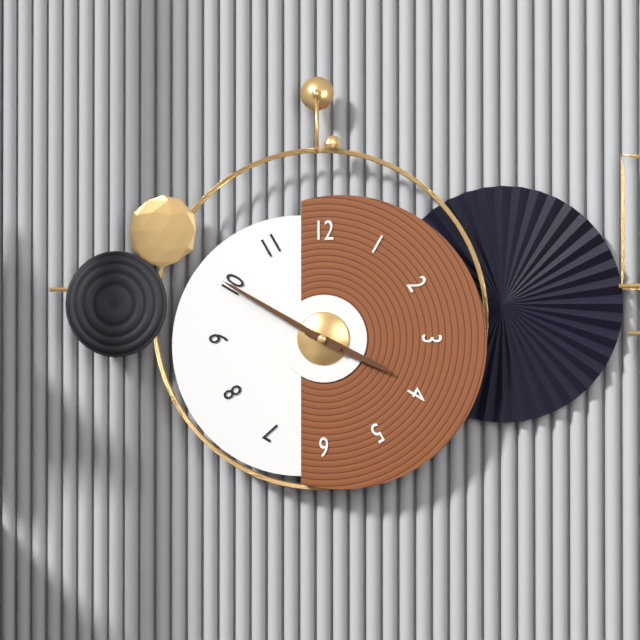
3.50
